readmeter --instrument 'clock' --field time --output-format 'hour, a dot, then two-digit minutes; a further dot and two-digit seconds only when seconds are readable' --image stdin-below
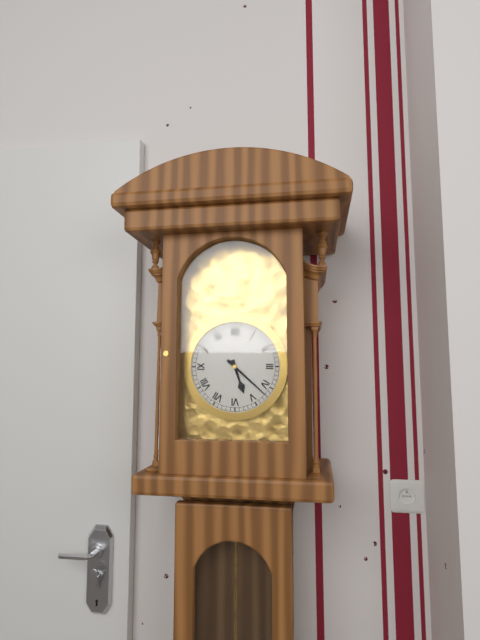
5.22
